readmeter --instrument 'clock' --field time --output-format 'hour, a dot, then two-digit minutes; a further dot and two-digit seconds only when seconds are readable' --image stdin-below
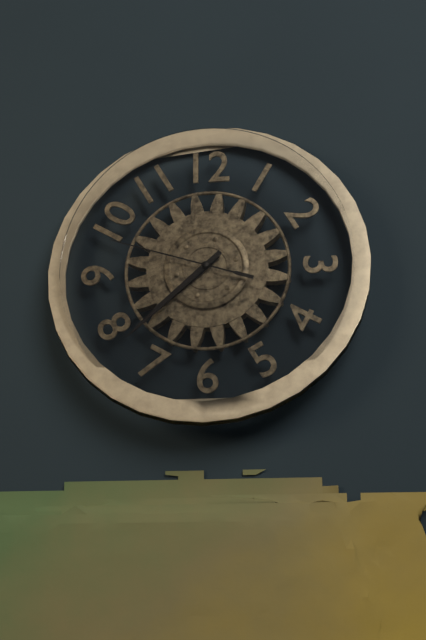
7.38.48
